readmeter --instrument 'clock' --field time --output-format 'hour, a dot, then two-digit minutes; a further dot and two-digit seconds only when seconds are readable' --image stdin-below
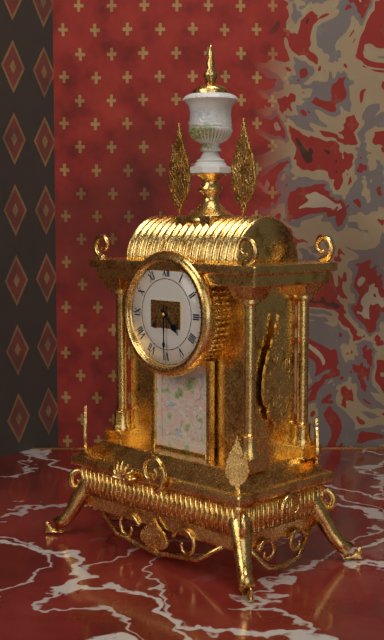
4.30
